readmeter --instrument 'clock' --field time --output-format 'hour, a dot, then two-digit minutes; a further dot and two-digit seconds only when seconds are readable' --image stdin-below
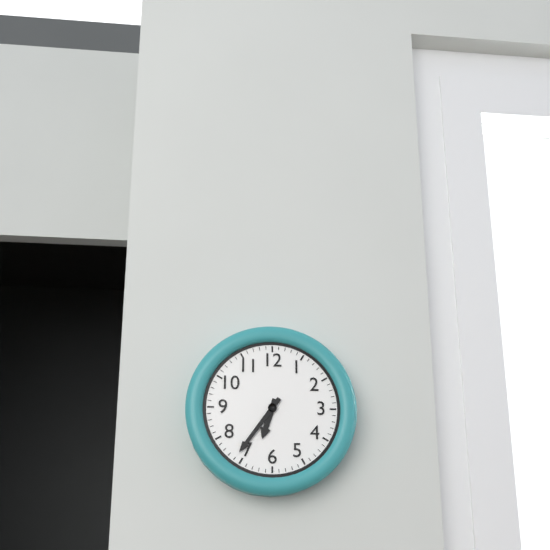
6.36
